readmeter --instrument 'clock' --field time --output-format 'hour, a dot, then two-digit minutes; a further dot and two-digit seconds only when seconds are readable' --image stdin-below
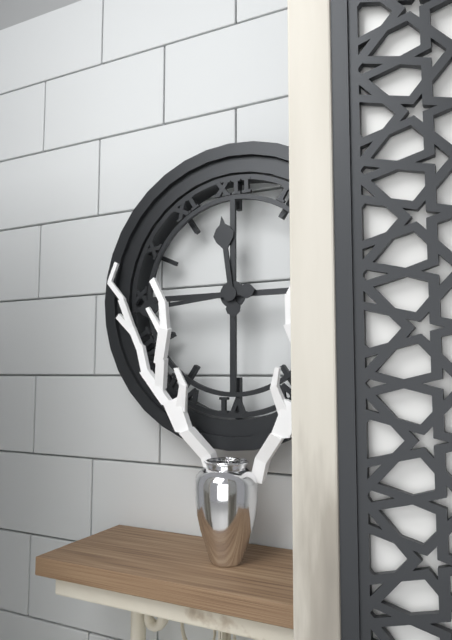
11.44
